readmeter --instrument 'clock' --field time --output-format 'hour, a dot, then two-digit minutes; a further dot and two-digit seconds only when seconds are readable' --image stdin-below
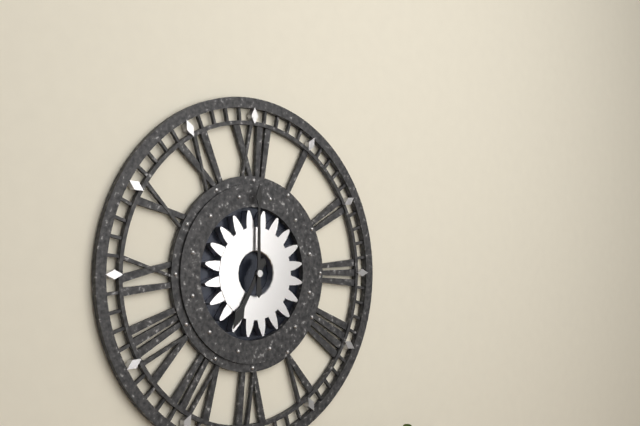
7.00
